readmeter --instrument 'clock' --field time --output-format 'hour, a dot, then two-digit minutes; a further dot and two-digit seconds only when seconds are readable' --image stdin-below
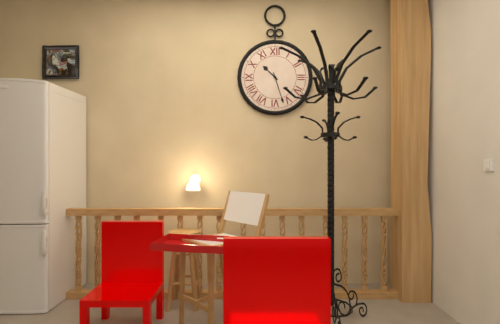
10.27
